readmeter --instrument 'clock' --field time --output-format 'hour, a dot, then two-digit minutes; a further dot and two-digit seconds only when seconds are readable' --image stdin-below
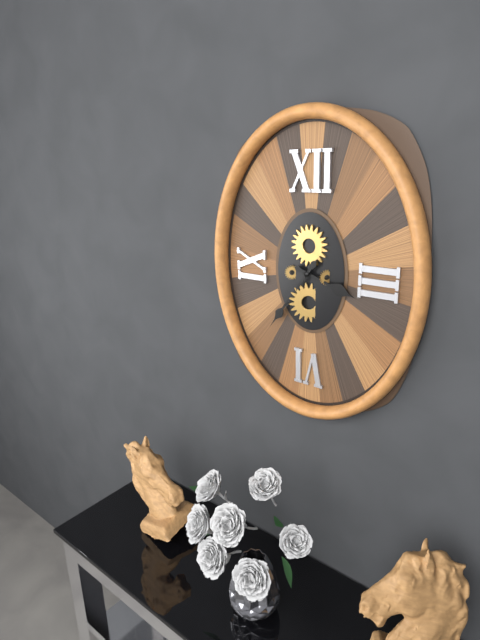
3.36
